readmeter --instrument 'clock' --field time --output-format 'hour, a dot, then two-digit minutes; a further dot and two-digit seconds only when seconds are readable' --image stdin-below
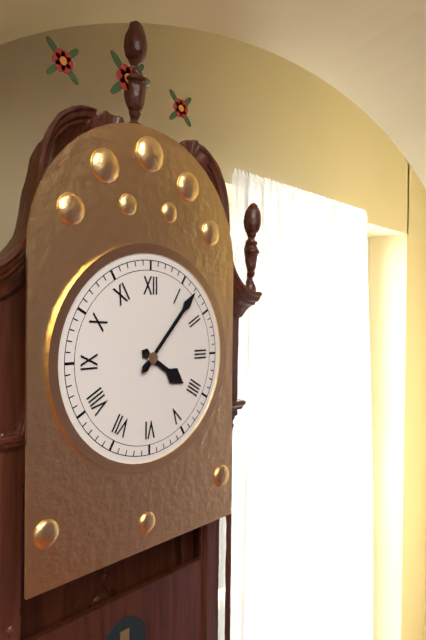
4.07
